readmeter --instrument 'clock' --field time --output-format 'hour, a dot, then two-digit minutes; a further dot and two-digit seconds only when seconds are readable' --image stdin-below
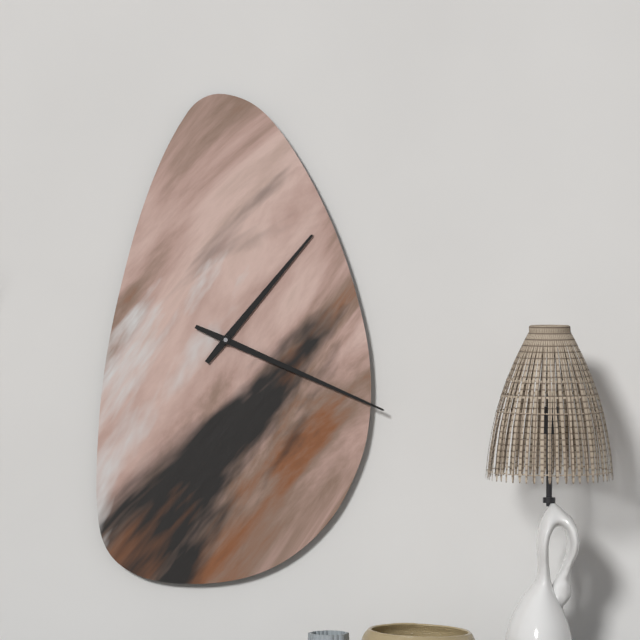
1.19
